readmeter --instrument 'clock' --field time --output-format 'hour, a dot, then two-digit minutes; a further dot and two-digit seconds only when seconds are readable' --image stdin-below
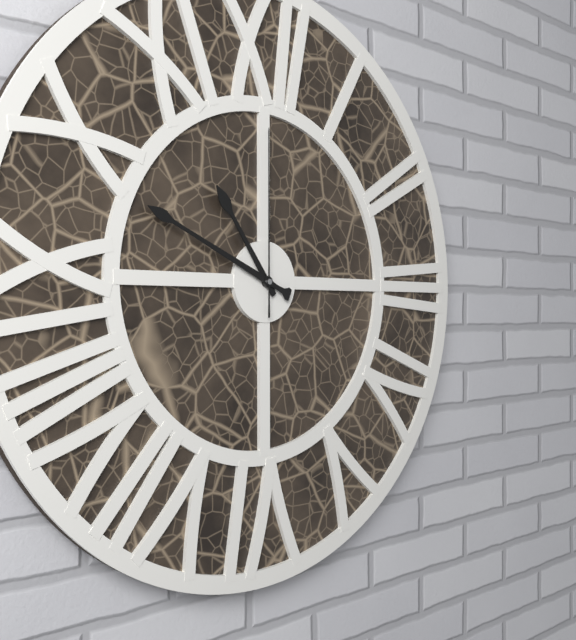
10.49.00
